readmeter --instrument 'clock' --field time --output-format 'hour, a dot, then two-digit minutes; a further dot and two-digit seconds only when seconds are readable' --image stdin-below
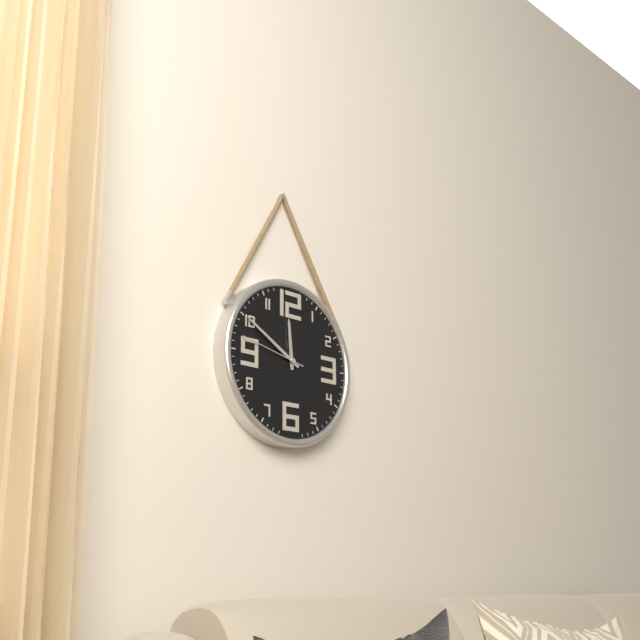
11.50.47
